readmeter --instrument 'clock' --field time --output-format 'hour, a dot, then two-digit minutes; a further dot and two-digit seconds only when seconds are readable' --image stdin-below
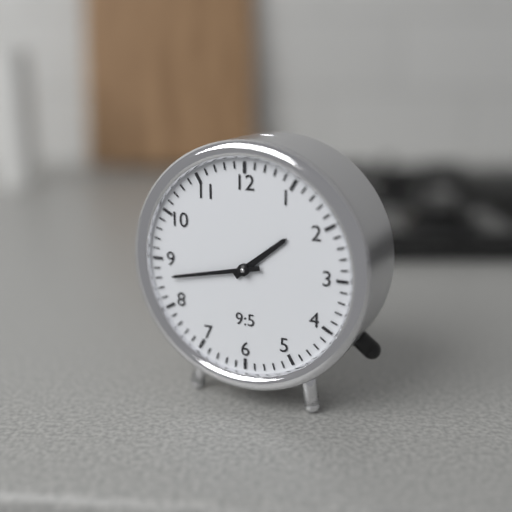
1.43
